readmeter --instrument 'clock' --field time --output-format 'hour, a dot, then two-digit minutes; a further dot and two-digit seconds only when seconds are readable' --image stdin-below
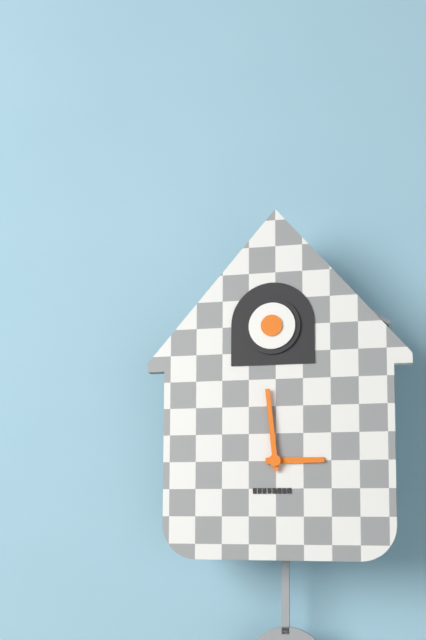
2.59
